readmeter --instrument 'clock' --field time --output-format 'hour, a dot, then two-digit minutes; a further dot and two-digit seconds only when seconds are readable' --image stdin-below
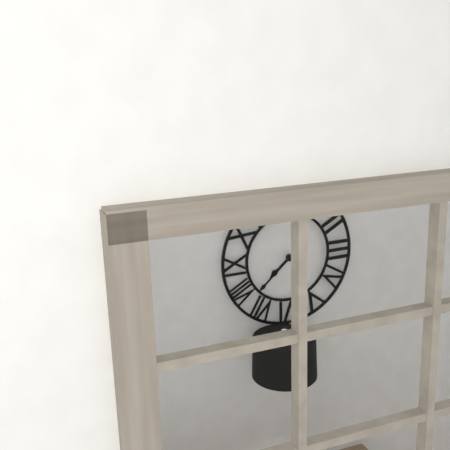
7.38
